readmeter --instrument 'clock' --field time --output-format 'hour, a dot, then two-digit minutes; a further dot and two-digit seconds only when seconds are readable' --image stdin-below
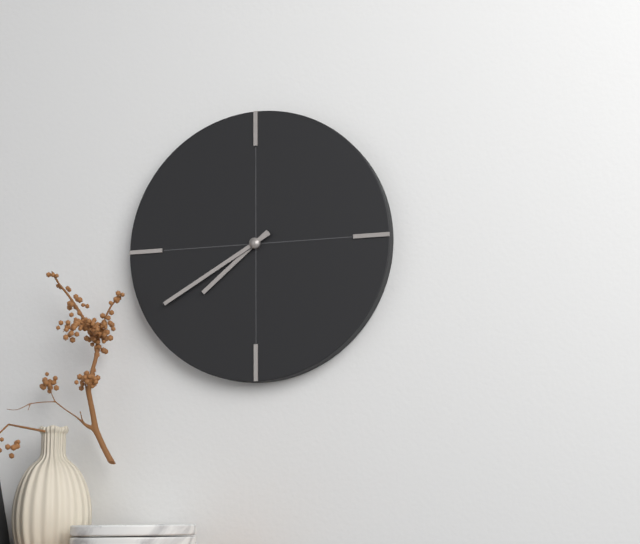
7.40
